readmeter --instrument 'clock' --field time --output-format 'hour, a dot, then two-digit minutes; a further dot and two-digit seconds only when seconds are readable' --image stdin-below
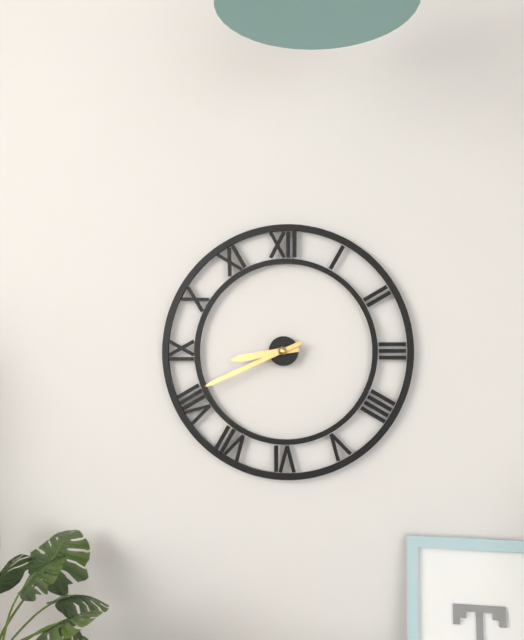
8.41
